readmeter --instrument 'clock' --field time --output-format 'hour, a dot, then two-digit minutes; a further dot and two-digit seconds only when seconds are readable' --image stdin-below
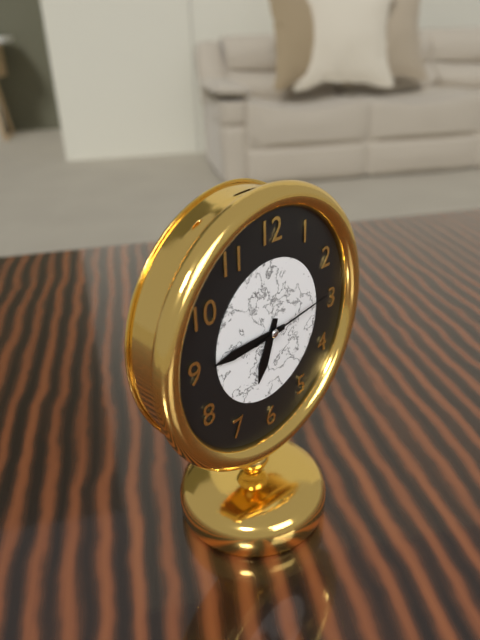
6.45.14
